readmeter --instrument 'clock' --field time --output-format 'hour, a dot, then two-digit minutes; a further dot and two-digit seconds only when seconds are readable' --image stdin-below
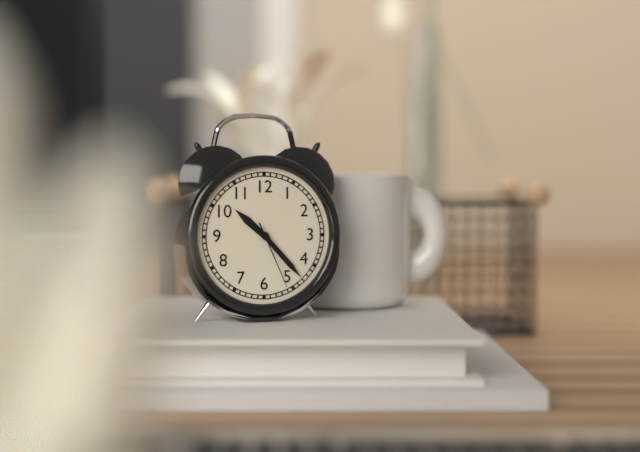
10.23.26
